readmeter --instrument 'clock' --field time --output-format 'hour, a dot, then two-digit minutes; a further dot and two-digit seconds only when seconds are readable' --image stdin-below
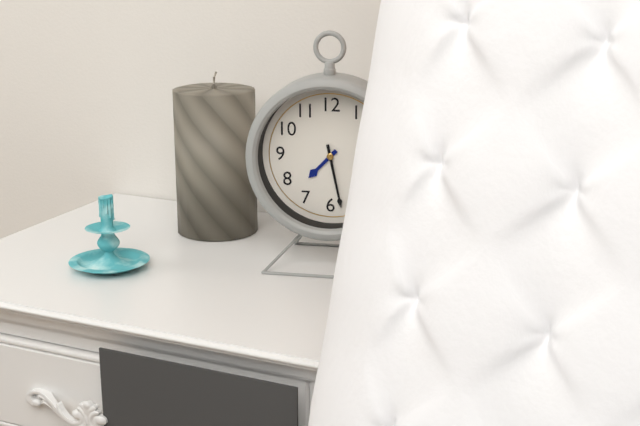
7.28
